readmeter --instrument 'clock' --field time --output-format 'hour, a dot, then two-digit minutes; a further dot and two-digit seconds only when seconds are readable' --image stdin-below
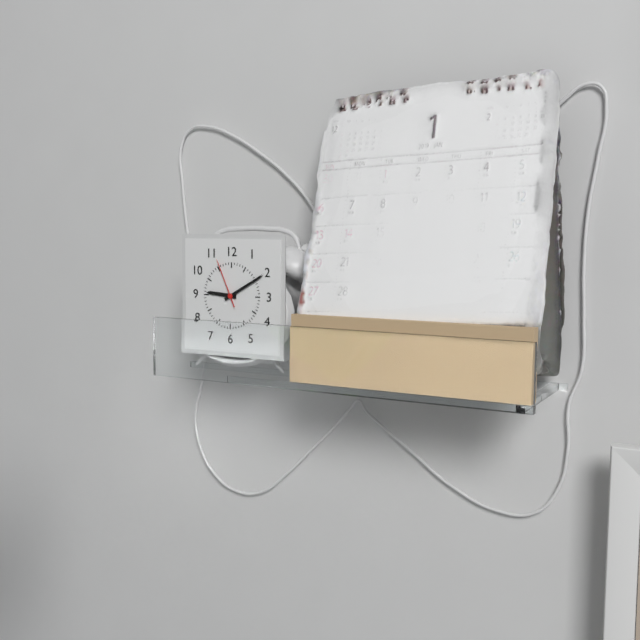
9.10
